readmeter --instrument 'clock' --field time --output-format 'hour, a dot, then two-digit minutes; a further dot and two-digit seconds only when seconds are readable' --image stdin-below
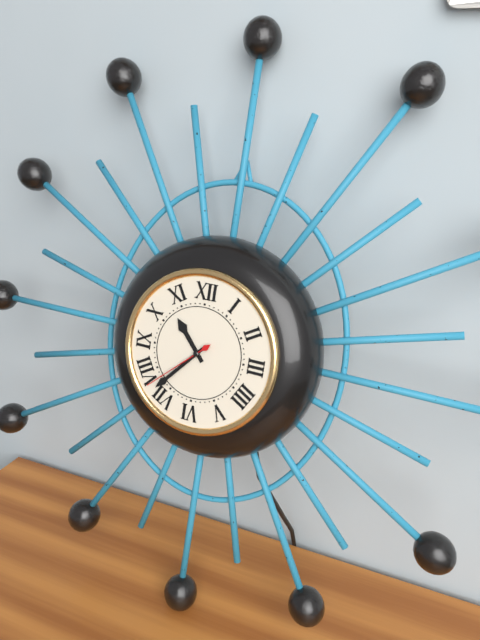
10.37.38
